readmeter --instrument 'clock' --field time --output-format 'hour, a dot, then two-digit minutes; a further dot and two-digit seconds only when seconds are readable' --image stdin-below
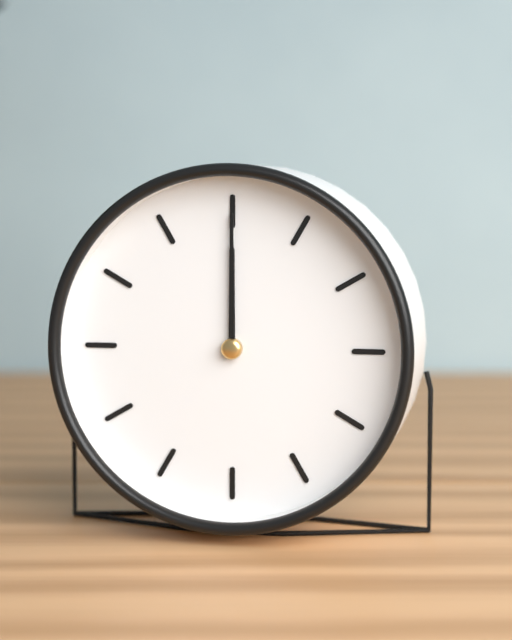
12.00
